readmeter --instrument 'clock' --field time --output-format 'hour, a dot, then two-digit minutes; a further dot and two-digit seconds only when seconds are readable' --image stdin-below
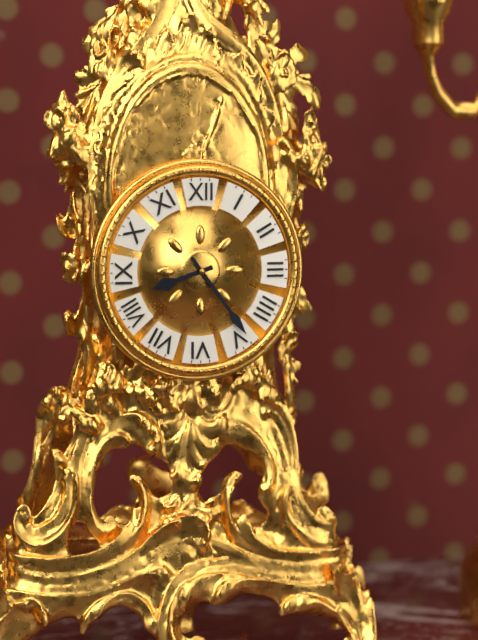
8.24
